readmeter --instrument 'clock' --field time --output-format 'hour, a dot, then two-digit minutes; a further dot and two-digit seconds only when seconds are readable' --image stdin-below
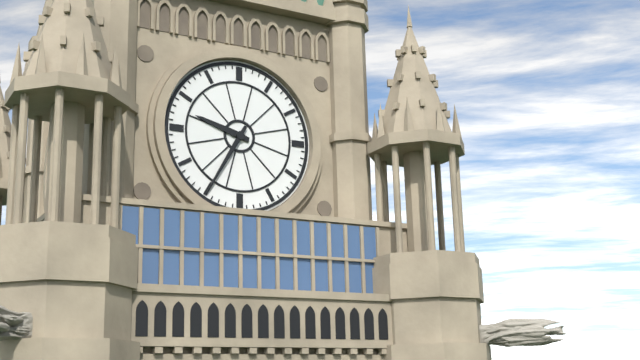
9.35
